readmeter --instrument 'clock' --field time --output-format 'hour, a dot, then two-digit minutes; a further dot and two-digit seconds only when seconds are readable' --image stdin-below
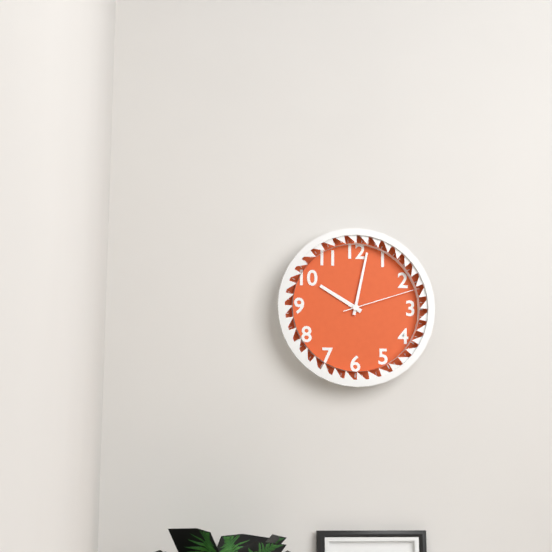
10.02.12
